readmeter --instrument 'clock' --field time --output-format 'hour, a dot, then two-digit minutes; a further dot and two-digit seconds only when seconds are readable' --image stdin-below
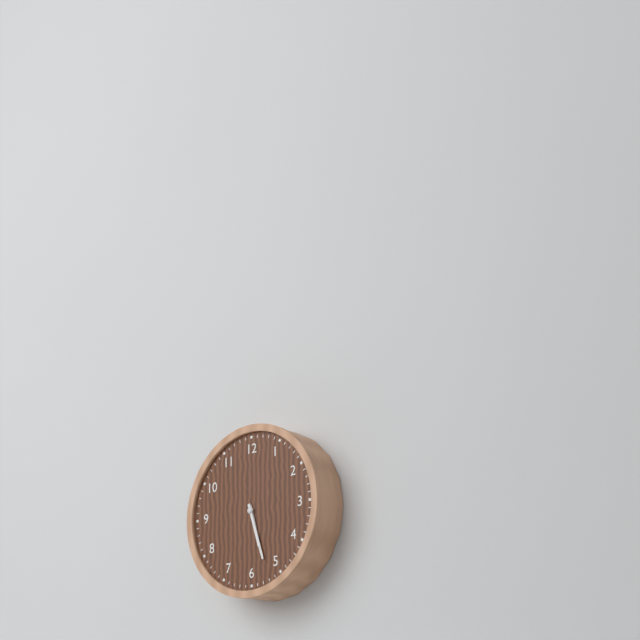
5.27
